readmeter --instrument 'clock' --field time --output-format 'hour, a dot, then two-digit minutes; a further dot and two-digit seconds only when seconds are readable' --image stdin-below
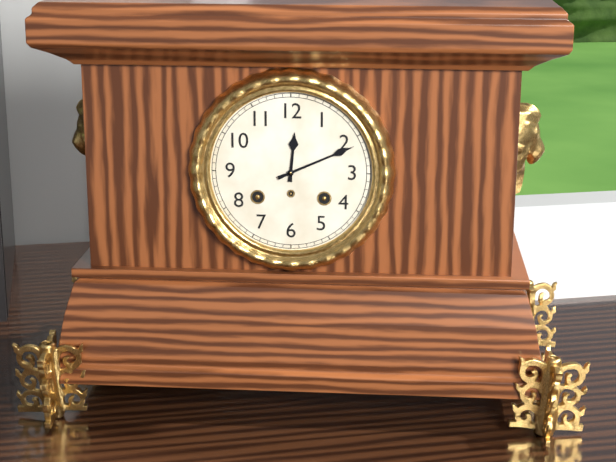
12.11
